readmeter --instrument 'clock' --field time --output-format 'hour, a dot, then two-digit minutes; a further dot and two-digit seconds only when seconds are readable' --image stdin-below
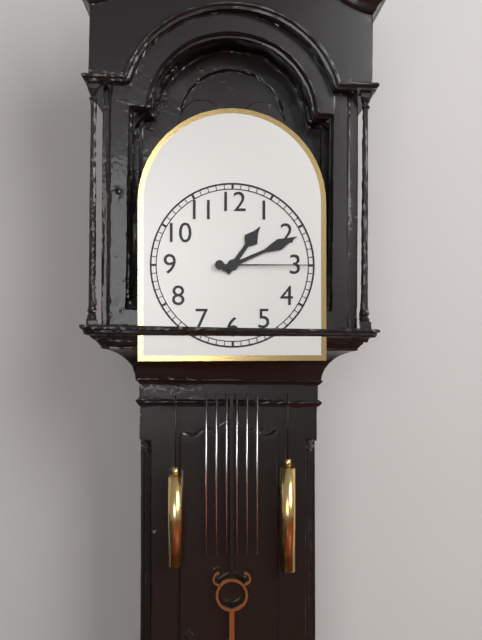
1.11.15
